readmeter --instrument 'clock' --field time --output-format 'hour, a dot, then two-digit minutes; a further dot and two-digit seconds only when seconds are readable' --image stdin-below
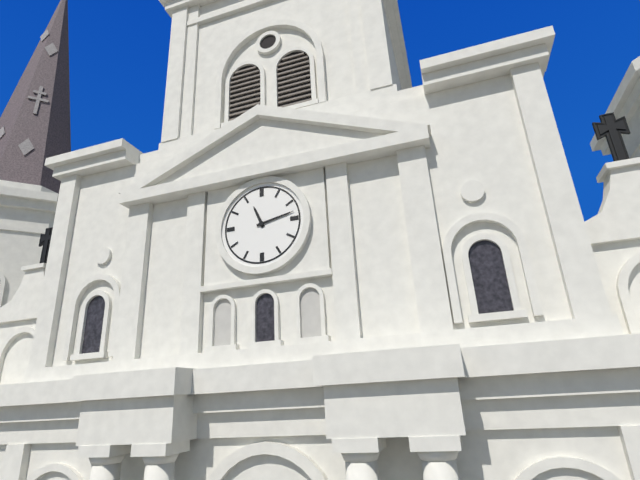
11.13
